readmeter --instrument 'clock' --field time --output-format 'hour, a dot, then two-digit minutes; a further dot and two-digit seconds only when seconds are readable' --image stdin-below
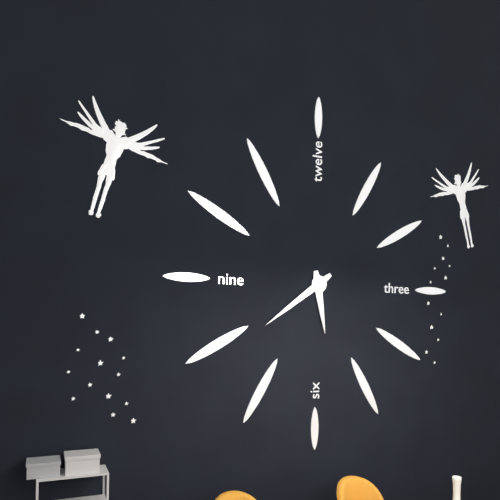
5.39
